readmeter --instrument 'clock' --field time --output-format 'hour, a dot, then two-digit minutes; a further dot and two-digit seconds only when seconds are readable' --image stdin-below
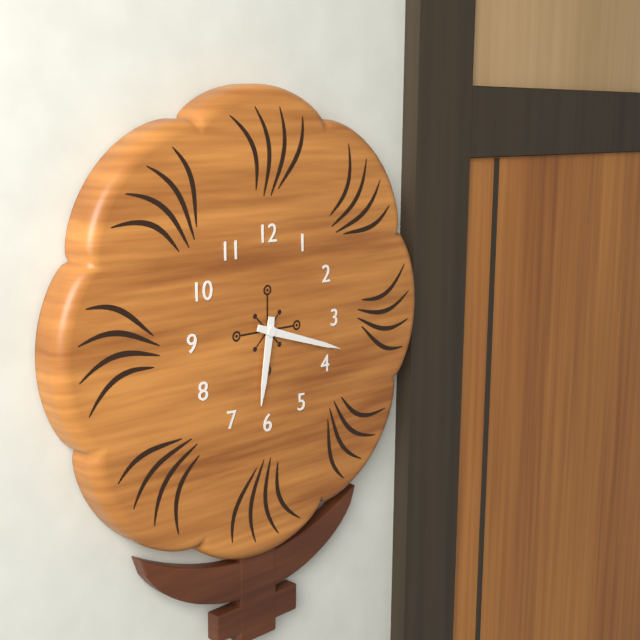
6.18
